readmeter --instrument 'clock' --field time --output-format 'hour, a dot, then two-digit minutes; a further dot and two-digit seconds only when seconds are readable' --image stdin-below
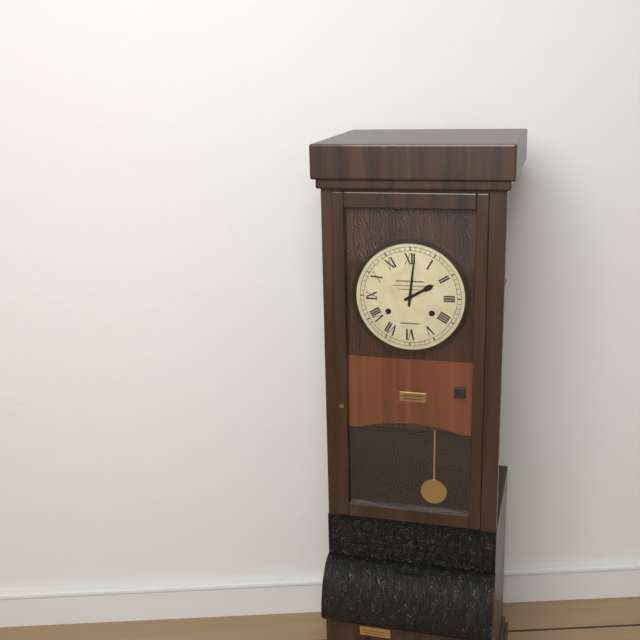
2.01
